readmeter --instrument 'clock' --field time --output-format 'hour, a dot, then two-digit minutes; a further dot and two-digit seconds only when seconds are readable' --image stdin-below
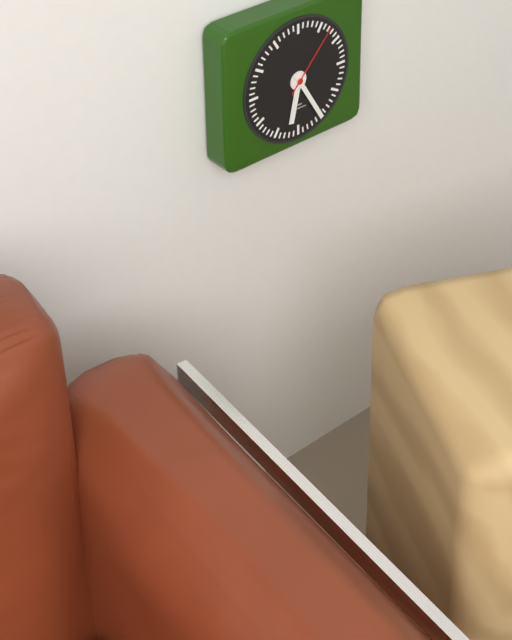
6.25.07
